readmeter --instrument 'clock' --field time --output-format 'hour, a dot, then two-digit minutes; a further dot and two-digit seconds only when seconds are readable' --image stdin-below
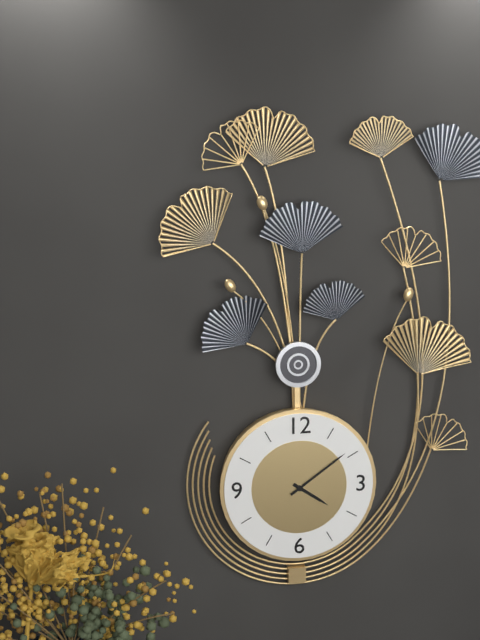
4.09
